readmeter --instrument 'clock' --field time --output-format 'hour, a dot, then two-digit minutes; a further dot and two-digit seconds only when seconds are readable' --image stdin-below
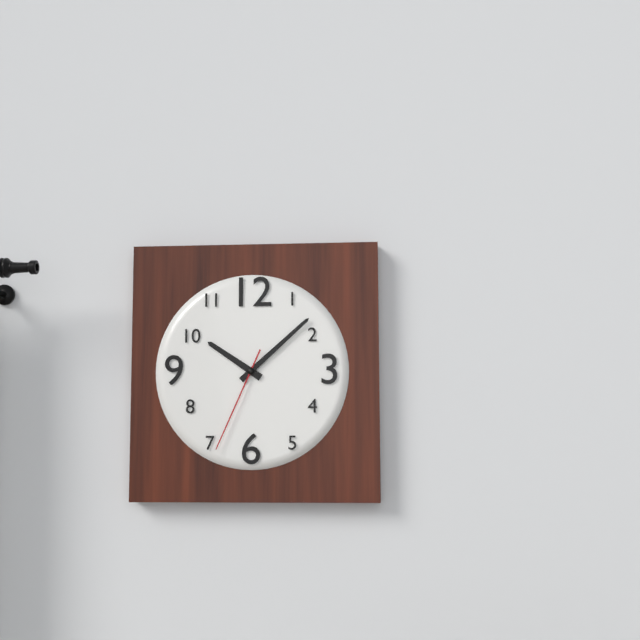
10.08.34
